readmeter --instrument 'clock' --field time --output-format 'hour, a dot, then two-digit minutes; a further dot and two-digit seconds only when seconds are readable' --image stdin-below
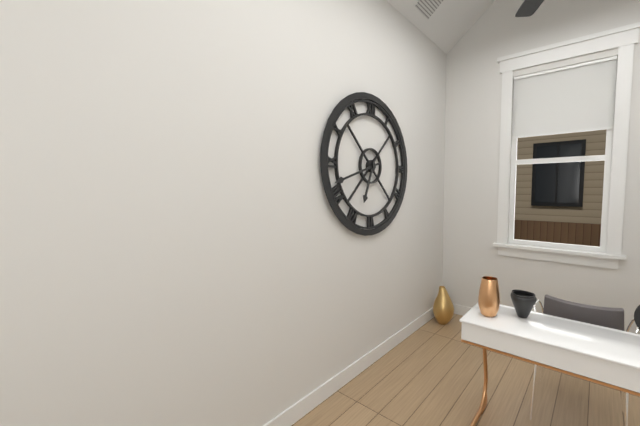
6.42
